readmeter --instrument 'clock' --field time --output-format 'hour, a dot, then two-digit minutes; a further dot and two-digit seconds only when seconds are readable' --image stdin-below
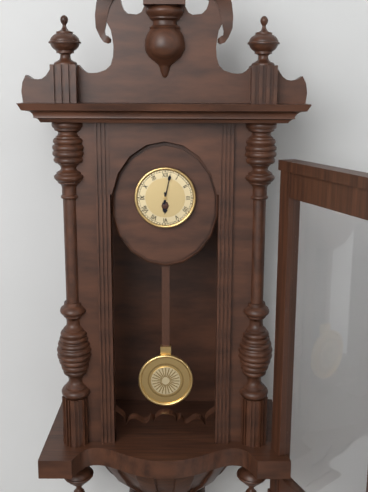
6.02
